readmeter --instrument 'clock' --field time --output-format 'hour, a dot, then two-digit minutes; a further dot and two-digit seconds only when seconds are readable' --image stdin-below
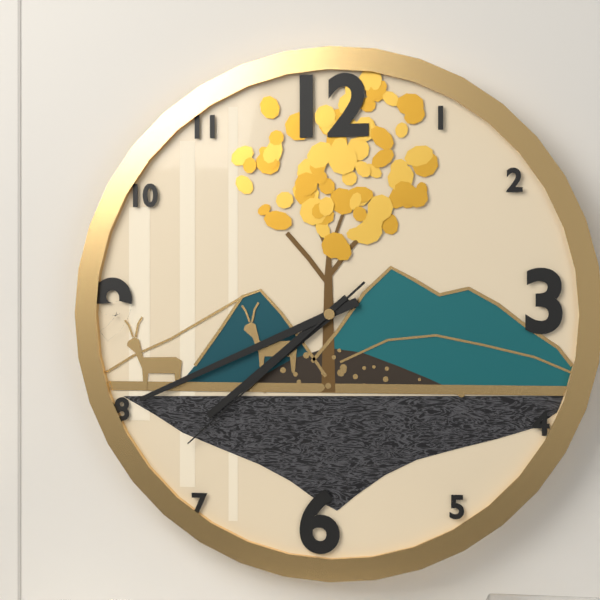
7.41.38
